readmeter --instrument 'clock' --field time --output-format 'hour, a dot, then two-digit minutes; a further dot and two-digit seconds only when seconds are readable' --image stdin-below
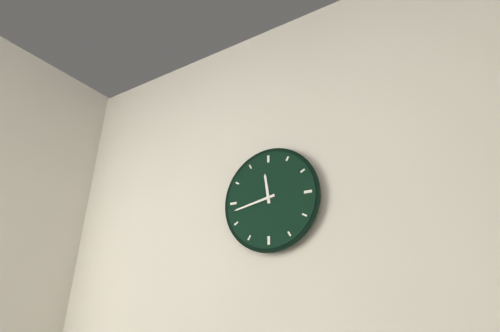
11.43
